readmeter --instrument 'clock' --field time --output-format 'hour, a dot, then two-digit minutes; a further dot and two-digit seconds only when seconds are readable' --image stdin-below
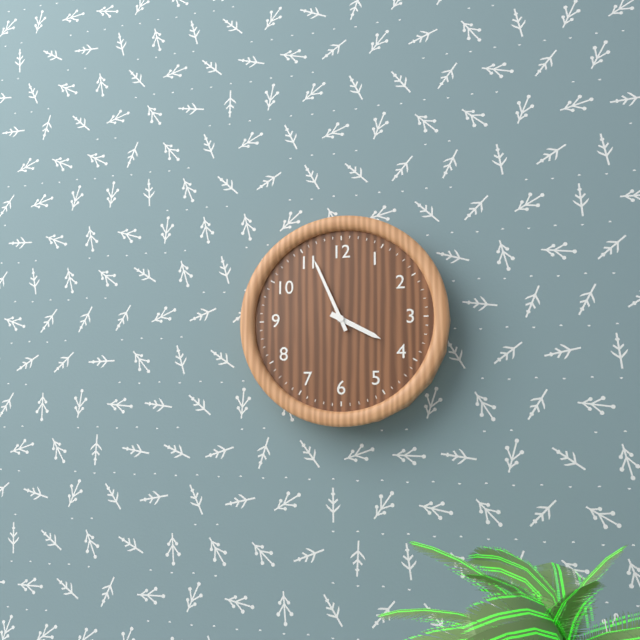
3.56
